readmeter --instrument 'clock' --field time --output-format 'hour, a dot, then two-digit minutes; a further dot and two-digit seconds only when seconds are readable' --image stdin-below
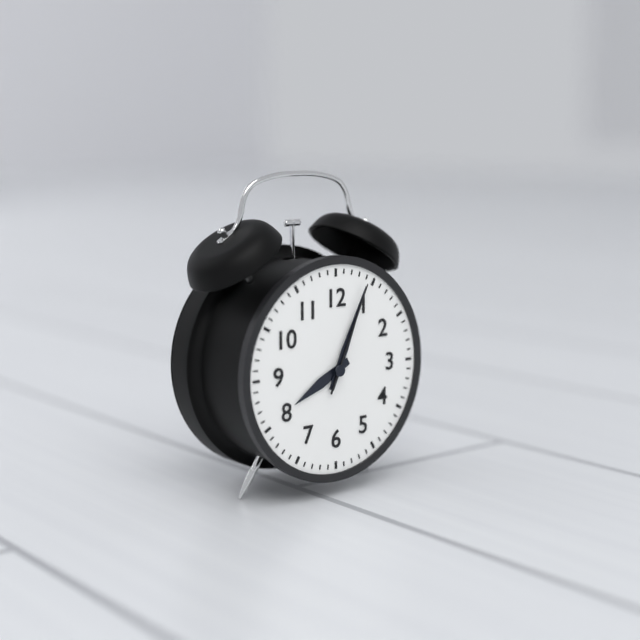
8.04.04
